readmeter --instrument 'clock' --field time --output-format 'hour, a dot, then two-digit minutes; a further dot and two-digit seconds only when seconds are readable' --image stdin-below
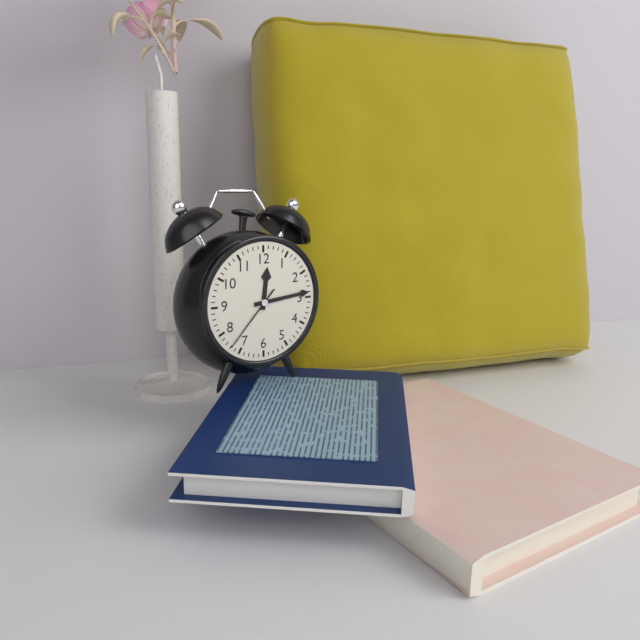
12.14.37
